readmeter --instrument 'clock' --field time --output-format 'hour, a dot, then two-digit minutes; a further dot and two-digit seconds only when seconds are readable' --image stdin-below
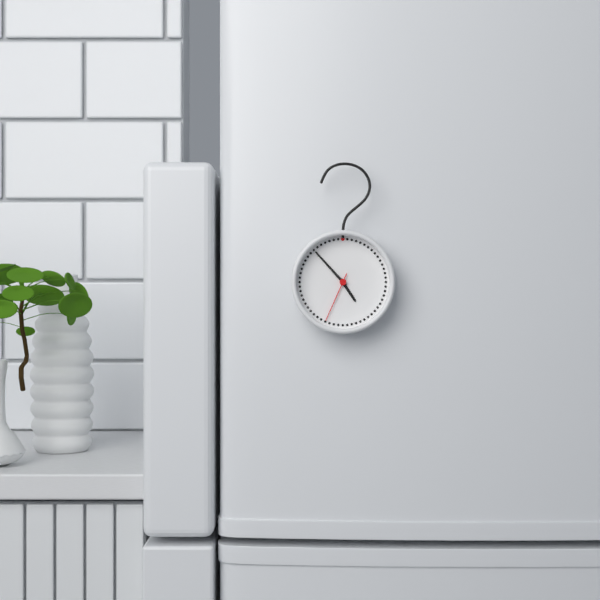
4.53.34
